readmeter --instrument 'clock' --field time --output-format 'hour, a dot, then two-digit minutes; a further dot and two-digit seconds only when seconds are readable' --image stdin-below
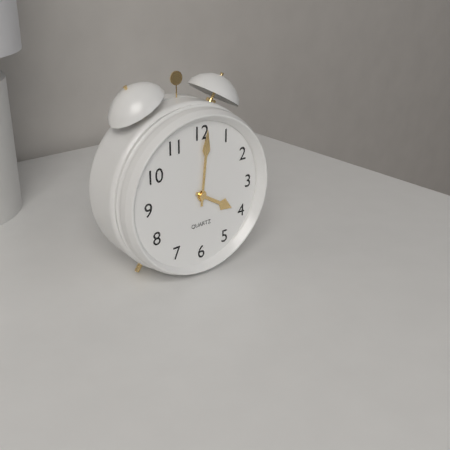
4.01
